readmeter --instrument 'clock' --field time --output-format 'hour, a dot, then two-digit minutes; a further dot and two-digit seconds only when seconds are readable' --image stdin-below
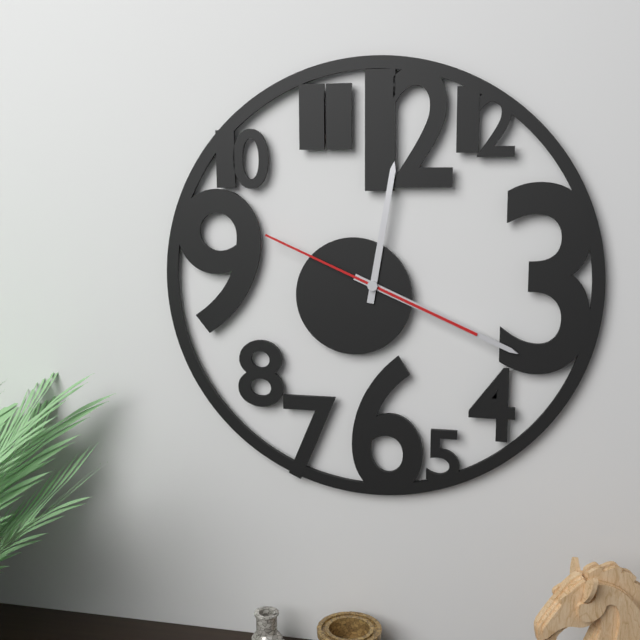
12.19.49
